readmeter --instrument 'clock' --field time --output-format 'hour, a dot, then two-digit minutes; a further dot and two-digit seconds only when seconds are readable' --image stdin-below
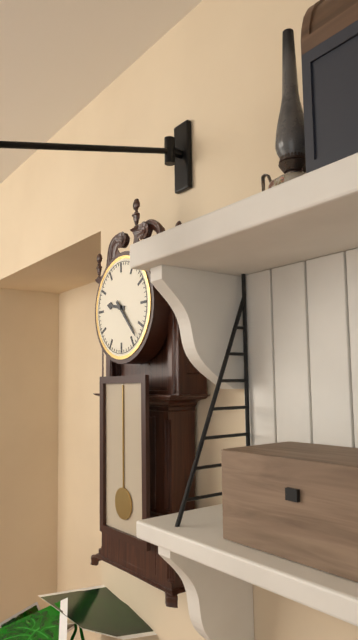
9.23
